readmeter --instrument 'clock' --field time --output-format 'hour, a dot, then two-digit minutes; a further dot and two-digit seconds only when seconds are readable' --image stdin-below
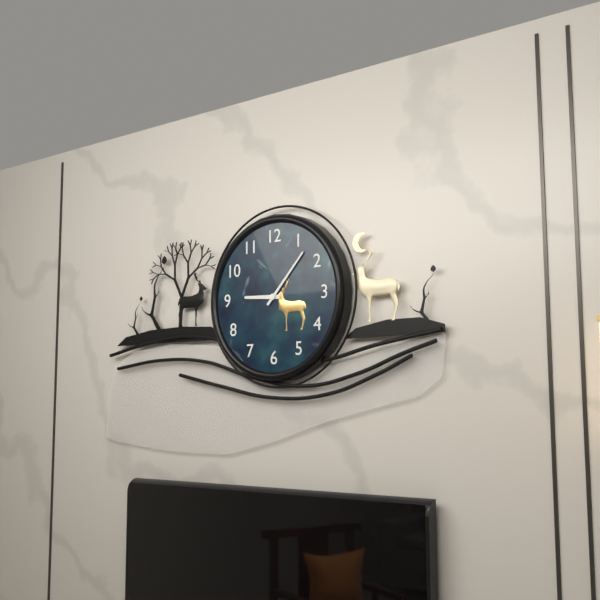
9.07
